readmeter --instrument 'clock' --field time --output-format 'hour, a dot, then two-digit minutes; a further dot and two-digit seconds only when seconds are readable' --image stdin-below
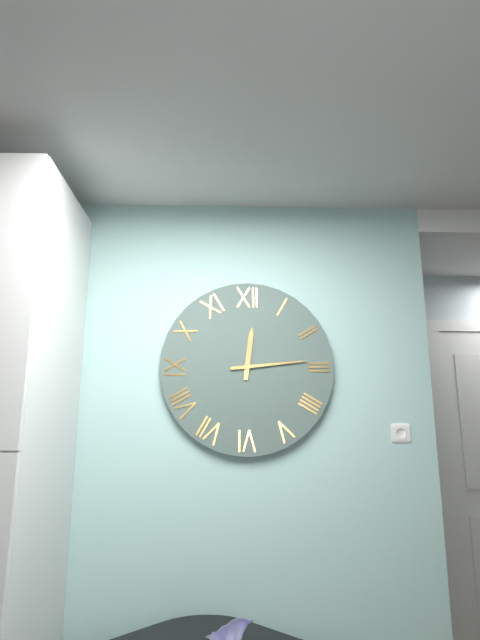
12.14
